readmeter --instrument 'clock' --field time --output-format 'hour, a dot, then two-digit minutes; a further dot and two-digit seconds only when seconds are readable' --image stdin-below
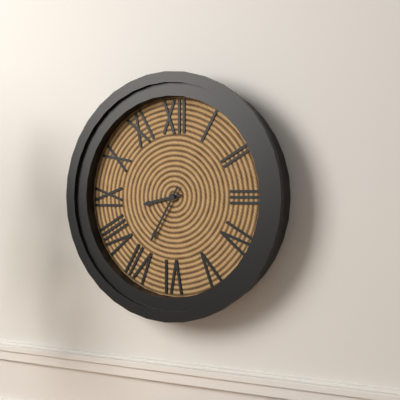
8.35
